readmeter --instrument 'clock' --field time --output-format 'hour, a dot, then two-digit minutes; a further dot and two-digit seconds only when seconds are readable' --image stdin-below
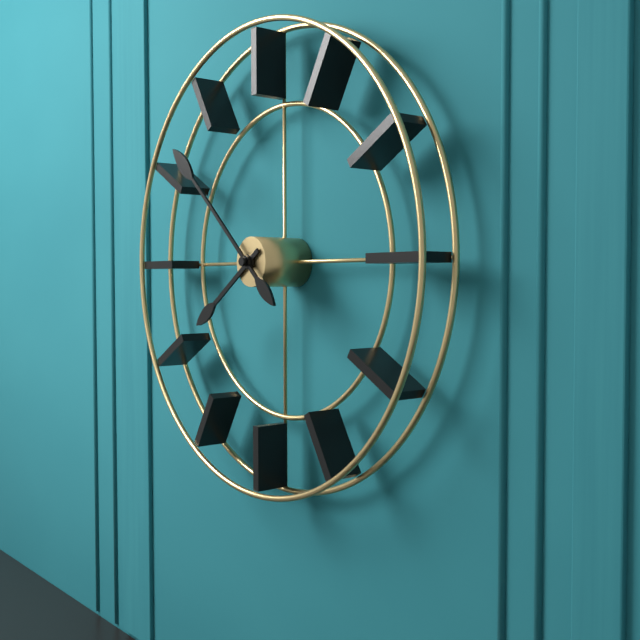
7.52
